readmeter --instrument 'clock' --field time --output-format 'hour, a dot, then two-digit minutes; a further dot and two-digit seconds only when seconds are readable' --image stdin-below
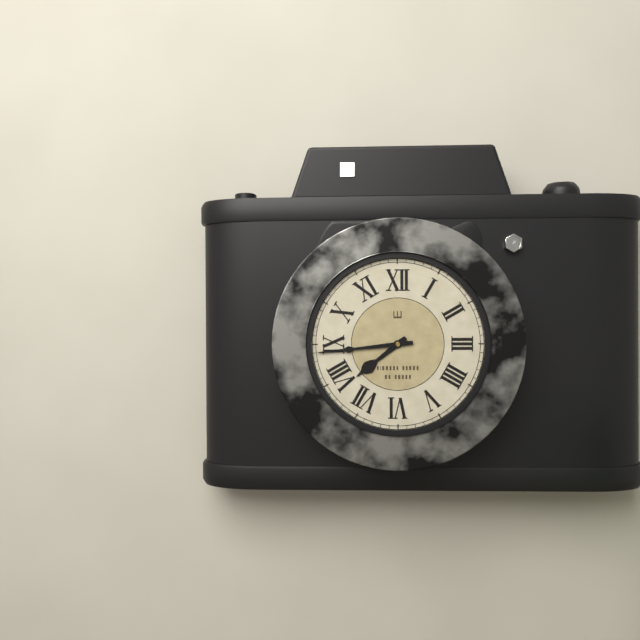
7.44
